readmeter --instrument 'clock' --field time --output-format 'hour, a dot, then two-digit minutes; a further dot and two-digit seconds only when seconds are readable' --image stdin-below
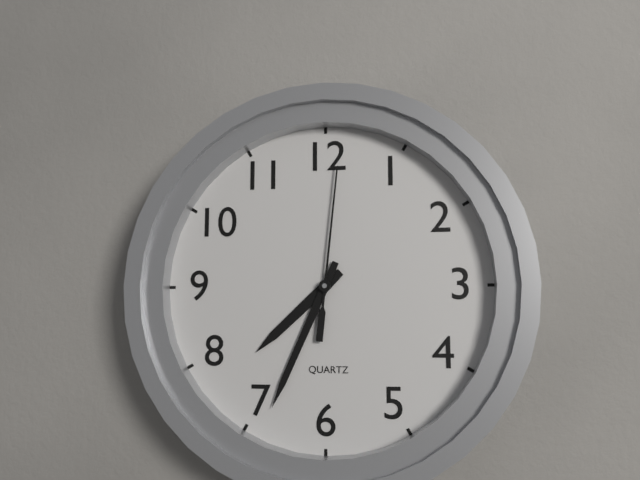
7.34.01
